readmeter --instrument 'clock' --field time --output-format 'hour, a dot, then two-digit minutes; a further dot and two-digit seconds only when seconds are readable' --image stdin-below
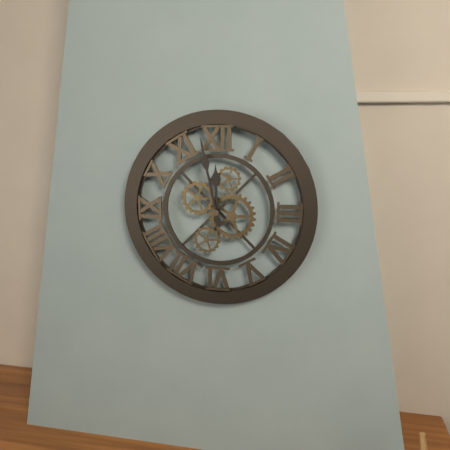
11.58
